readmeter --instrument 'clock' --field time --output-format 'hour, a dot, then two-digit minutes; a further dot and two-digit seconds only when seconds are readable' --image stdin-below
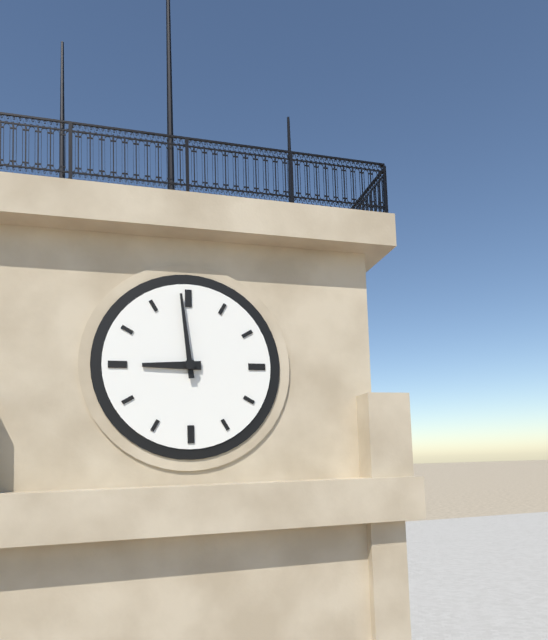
8.59
